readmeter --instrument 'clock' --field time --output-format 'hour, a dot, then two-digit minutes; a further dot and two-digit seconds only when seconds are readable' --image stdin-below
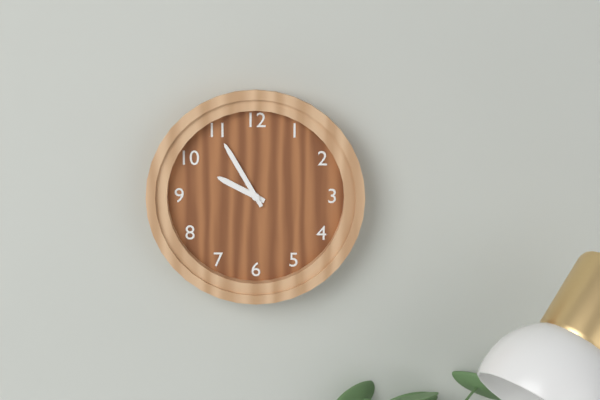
9.55
